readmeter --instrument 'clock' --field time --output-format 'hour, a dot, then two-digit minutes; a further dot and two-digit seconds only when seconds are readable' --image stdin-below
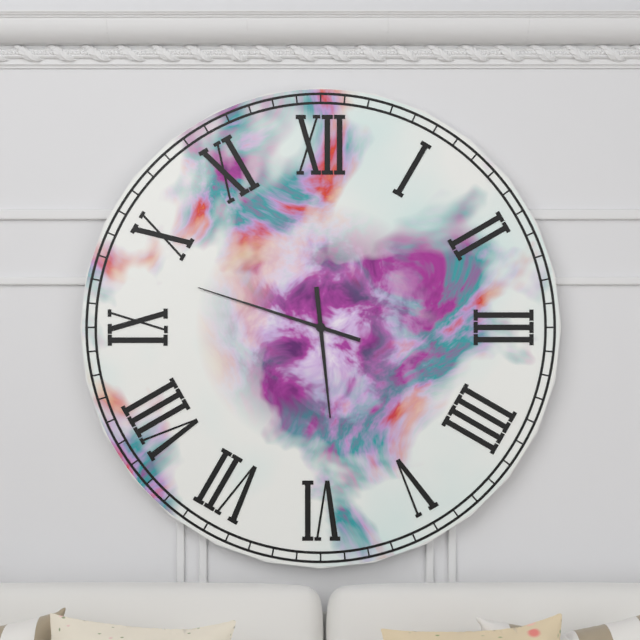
5.48
